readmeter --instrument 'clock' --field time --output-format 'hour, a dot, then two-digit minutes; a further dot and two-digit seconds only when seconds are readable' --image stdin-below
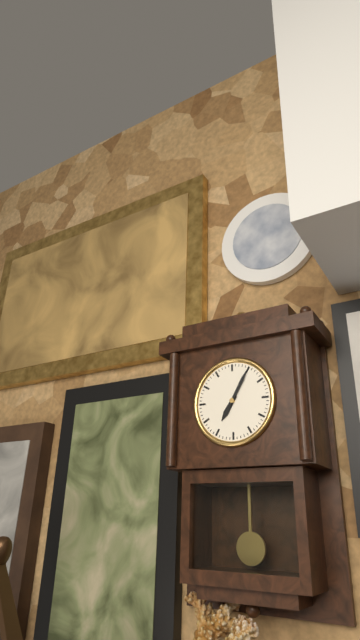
7.05
